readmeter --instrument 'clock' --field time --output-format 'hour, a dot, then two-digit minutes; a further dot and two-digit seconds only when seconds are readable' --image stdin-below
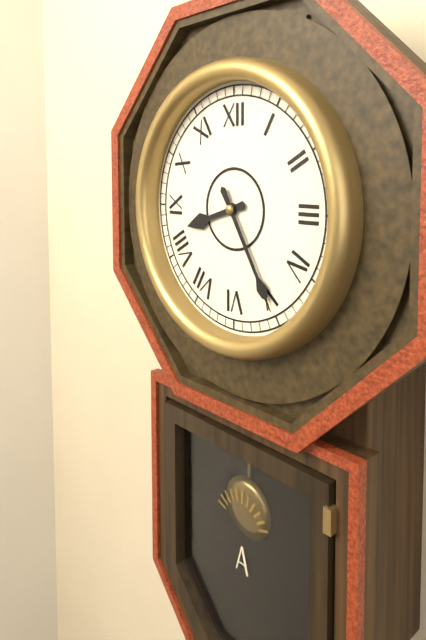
8.25
